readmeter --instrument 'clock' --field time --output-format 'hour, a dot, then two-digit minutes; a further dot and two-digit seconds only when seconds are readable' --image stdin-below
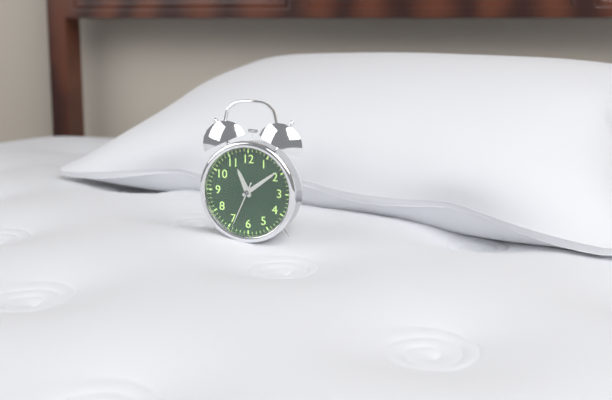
11.09
